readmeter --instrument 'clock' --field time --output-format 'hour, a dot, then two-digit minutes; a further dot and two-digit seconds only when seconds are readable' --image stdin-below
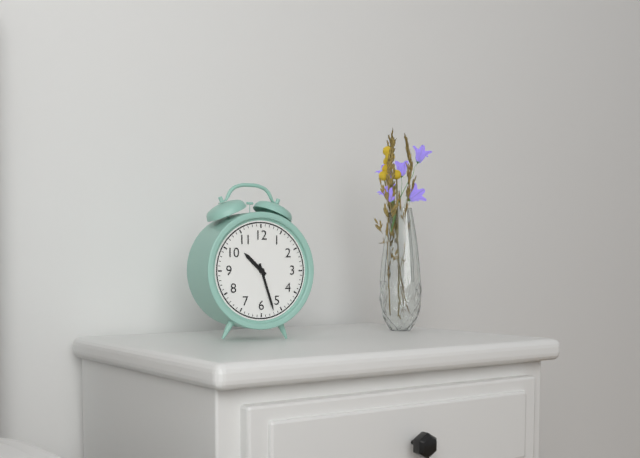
10.27
